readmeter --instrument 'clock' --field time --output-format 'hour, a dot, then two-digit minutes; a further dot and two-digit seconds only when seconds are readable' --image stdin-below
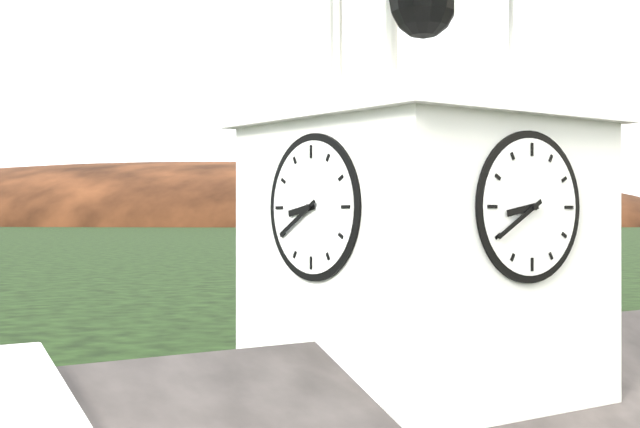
8.40
